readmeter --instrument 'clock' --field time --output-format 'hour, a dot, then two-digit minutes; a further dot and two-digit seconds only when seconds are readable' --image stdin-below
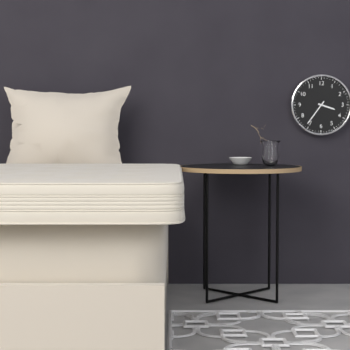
3.36
